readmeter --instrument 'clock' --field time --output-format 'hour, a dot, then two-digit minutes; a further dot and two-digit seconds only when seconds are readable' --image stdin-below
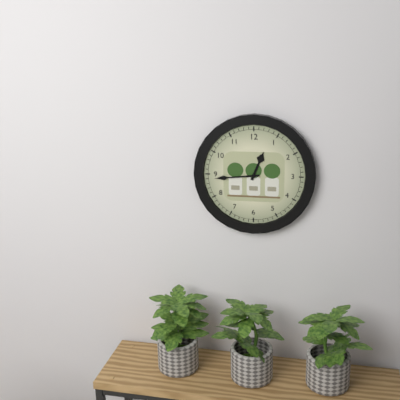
12.44
